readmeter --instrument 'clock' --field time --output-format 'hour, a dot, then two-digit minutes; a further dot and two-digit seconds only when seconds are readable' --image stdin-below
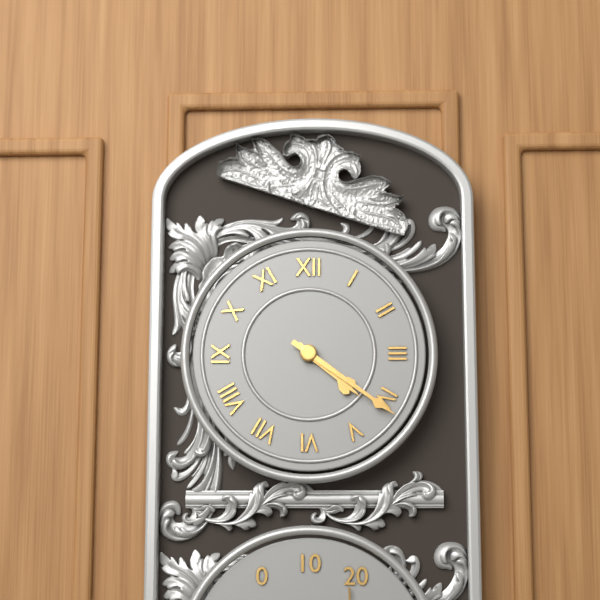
4.21
